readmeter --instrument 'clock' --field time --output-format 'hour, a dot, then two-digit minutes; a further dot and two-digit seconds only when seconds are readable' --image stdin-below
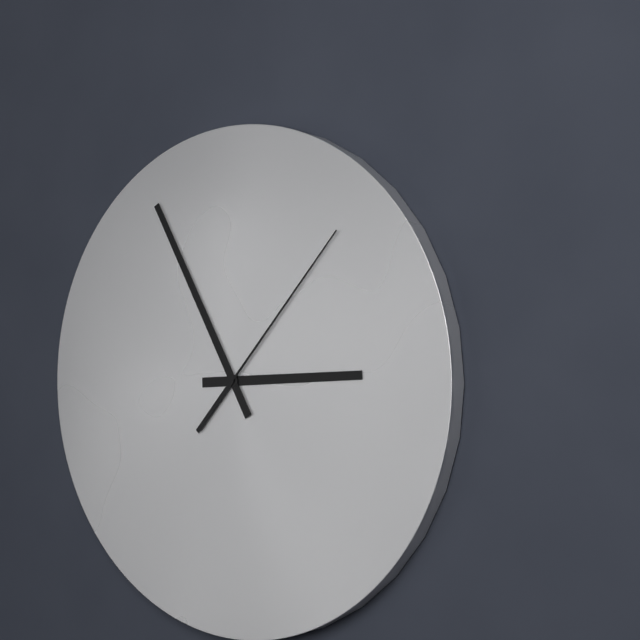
2.55.07
